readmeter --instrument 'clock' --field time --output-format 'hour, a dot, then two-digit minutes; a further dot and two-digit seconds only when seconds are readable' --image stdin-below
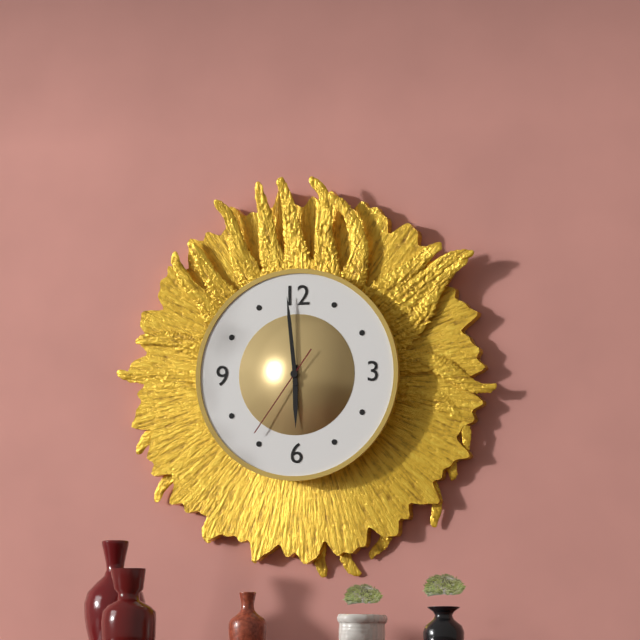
5.59.36
